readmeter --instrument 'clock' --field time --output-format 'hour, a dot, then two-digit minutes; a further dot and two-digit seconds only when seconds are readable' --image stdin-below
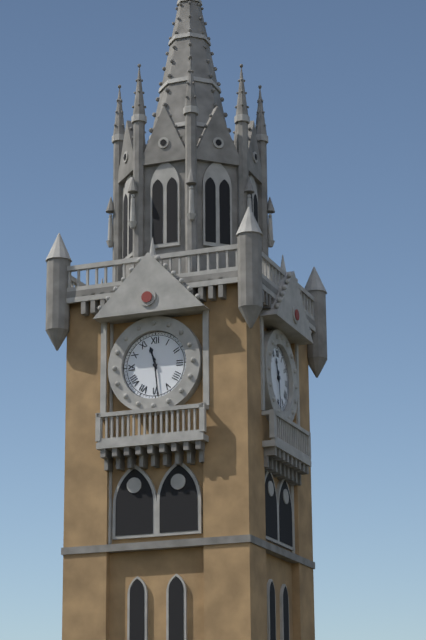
11.29
